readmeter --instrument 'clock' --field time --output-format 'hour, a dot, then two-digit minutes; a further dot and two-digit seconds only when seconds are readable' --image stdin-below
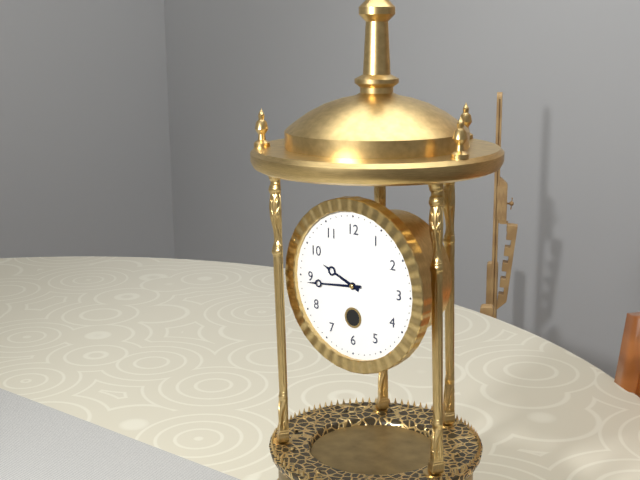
9.44
